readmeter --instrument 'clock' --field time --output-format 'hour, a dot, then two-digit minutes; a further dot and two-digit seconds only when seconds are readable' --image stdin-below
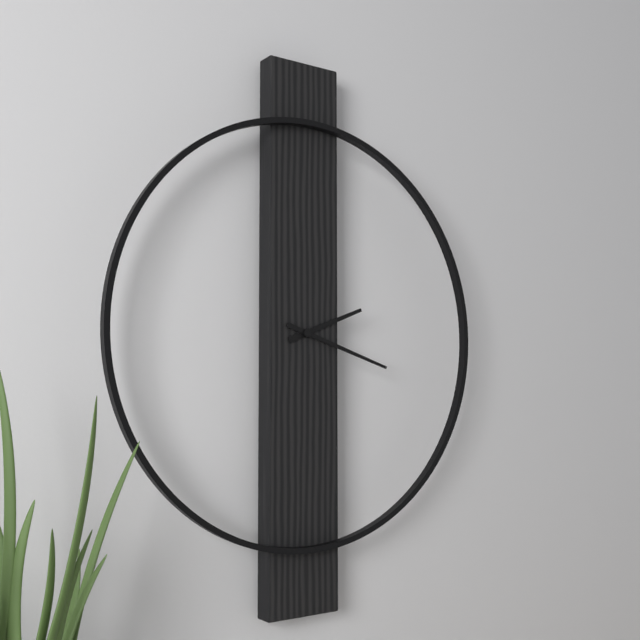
2.18
